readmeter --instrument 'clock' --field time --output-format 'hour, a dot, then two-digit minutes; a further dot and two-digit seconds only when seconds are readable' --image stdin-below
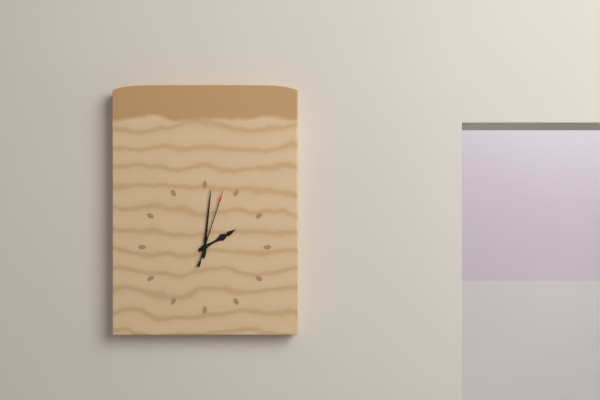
2.01.03
